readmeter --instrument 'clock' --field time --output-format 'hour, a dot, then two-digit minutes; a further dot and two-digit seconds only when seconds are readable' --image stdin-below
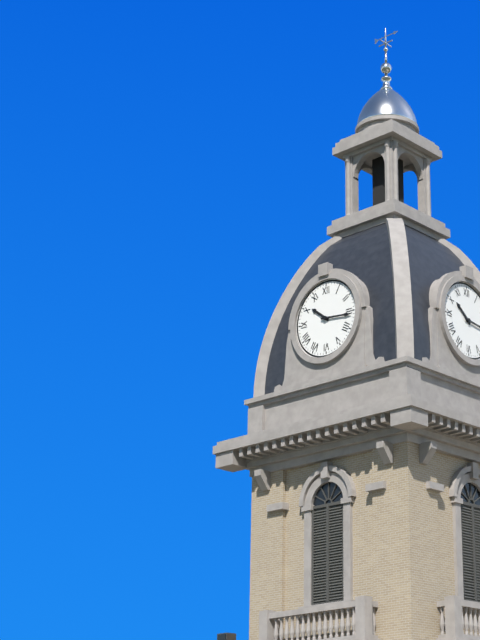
10.16
